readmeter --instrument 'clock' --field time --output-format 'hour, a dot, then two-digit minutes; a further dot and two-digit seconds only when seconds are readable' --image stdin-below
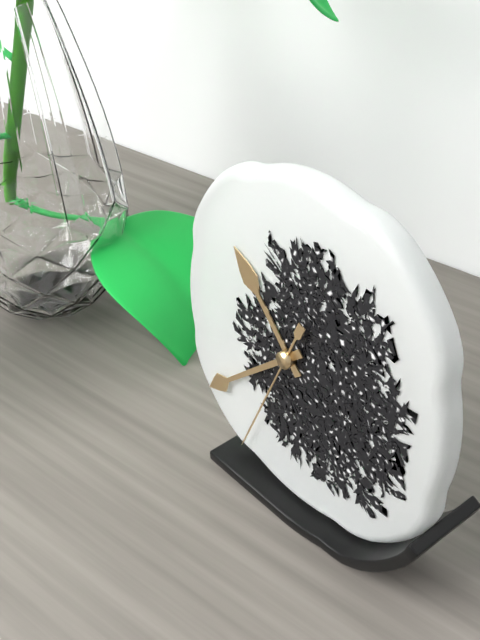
10.38.34
